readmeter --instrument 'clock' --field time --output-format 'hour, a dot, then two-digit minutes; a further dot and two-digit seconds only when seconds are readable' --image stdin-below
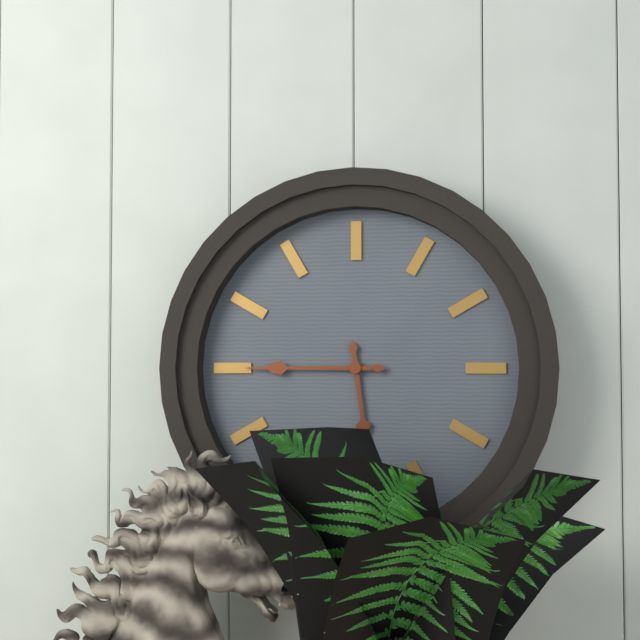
5.45
